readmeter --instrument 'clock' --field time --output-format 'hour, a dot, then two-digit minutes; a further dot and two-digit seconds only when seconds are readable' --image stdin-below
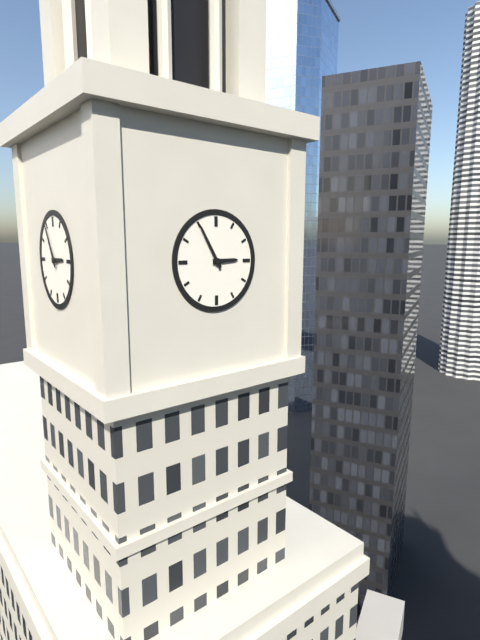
2.55
